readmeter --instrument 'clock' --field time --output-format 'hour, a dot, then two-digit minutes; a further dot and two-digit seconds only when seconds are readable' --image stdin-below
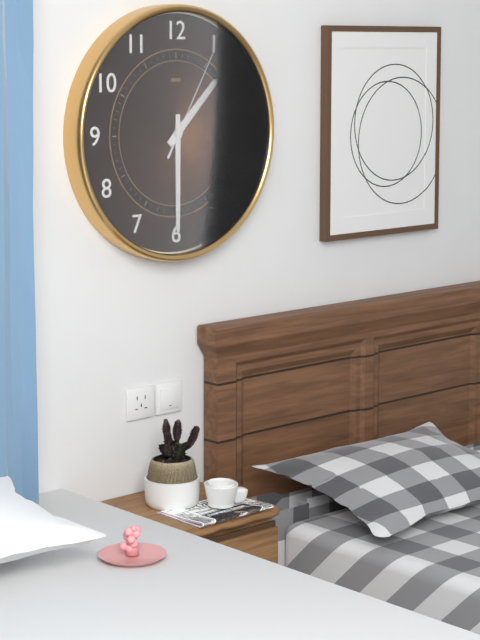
1.30.05
